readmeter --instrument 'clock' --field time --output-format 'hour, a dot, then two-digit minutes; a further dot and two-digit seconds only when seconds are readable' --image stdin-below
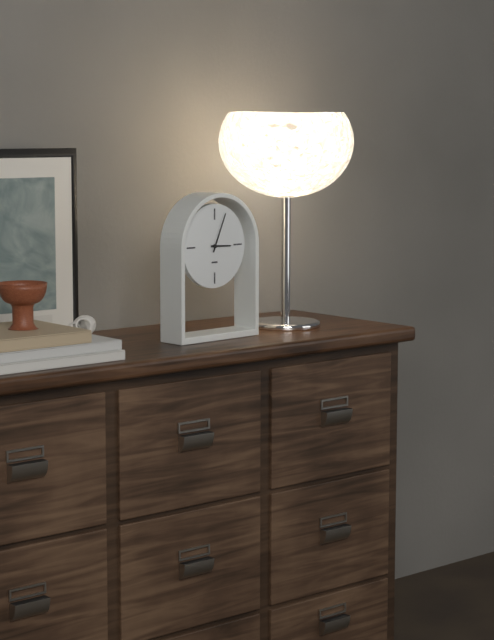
3.04
